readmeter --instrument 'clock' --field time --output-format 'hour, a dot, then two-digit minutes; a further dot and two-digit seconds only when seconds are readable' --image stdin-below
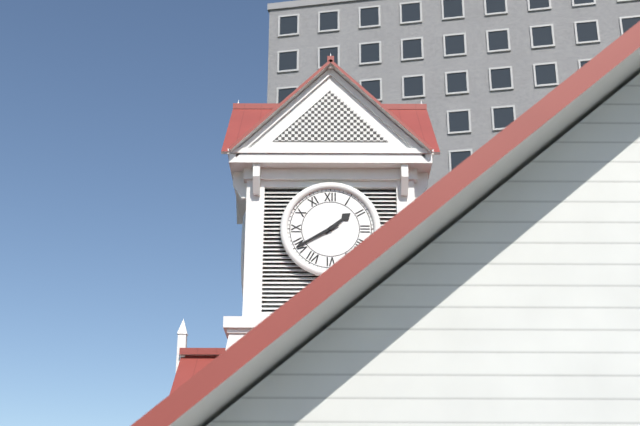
1.40
